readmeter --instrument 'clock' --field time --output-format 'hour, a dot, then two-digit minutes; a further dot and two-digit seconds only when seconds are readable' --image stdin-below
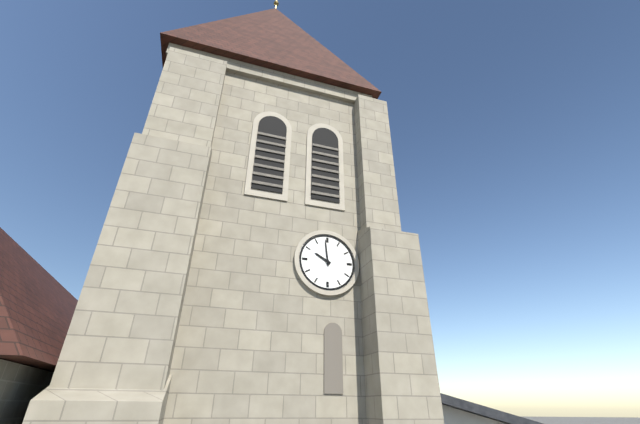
9.59
